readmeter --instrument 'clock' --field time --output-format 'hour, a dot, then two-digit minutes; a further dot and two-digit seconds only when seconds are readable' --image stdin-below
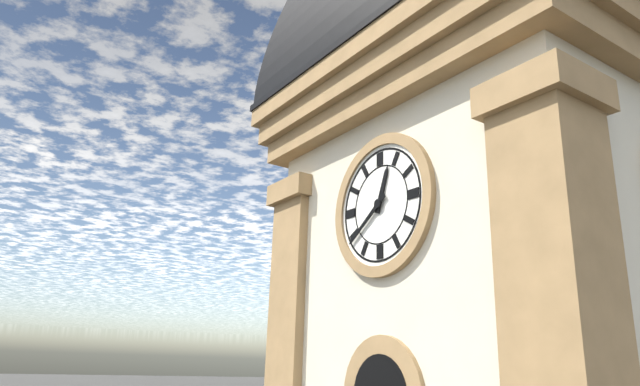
12.39
